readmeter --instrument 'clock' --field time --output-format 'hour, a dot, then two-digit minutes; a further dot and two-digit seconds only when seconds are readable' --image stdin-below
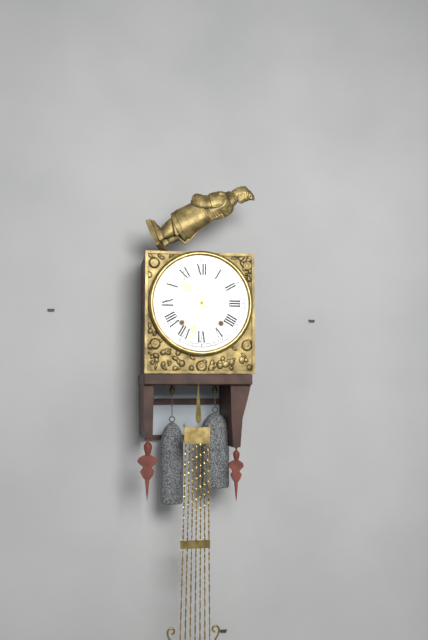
10.33
